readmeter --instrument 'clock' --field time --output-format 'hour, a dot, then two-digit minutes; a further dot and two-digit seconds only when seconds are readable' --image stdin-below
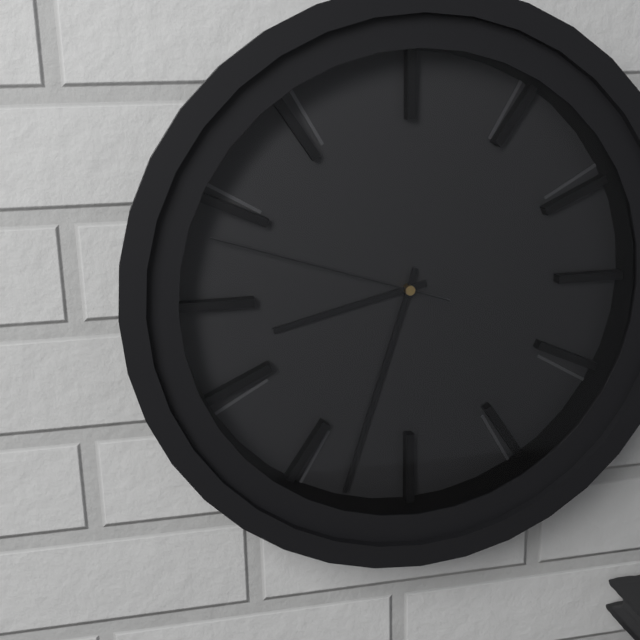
8.33.48
